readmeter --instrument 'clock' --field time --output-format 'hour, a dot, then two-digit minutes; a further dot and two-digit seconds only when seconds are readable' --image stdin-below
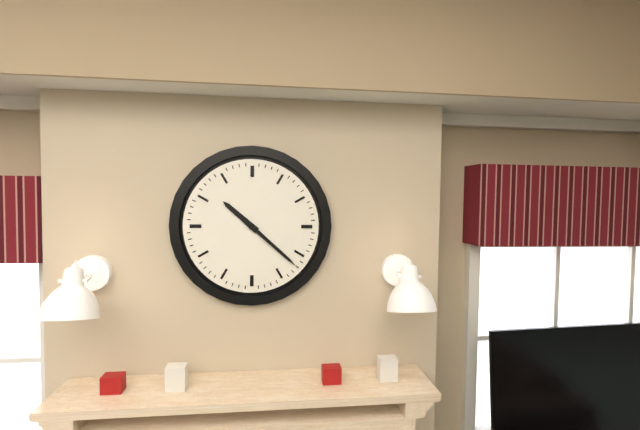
10.22
